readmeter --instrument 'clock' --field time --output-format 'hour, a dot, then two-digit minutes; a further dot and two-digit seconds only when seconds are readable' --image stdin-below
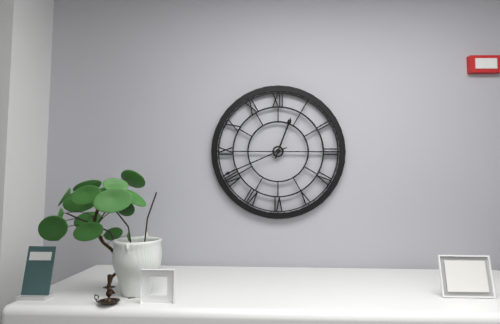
12.41
